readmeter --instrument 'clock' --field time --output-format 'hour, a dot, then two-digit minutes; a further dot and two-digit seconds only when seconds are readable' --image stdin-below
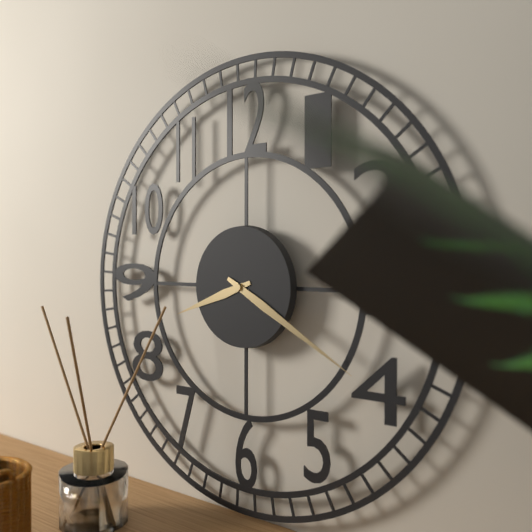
8.20
